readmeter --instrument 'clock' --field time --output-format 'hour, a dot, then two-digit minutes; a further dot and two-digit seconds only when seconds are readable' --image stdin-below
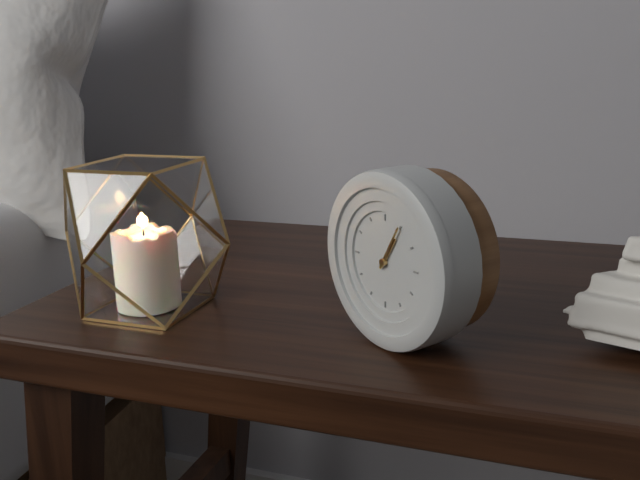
1.05
